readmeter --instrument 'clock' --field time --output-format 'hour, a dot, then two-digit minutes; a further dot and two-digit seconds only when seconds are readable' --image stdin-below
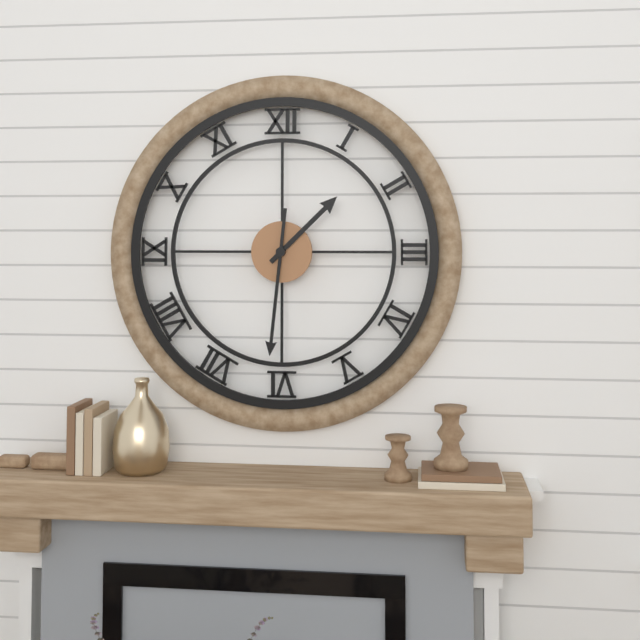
1.31
